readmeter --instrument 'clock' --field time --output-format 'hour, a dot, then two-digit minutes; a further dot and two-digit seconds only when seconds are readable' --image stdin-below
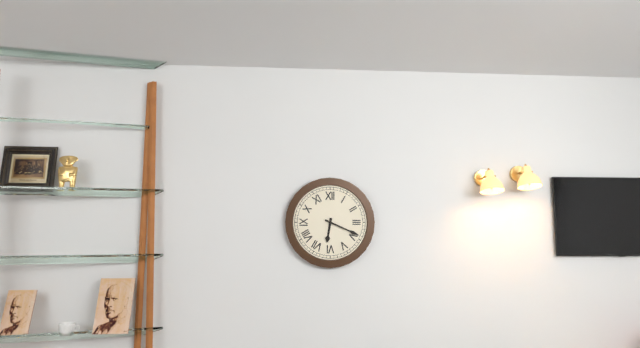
6.19
